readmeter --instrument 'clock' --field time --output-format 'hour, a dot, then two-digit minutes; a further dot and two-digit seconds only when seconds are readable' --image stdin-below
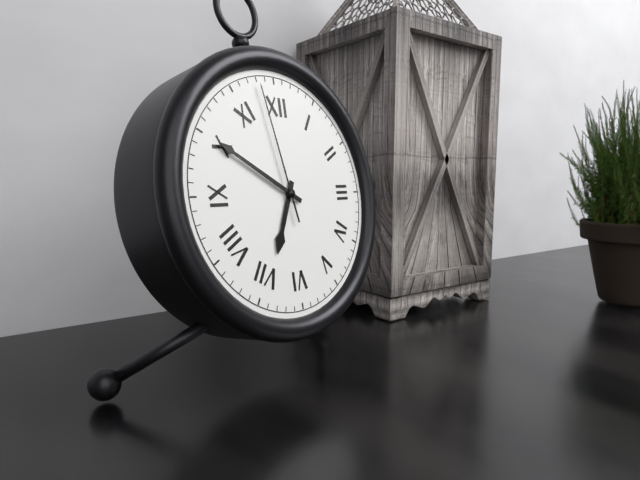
6.50.58
